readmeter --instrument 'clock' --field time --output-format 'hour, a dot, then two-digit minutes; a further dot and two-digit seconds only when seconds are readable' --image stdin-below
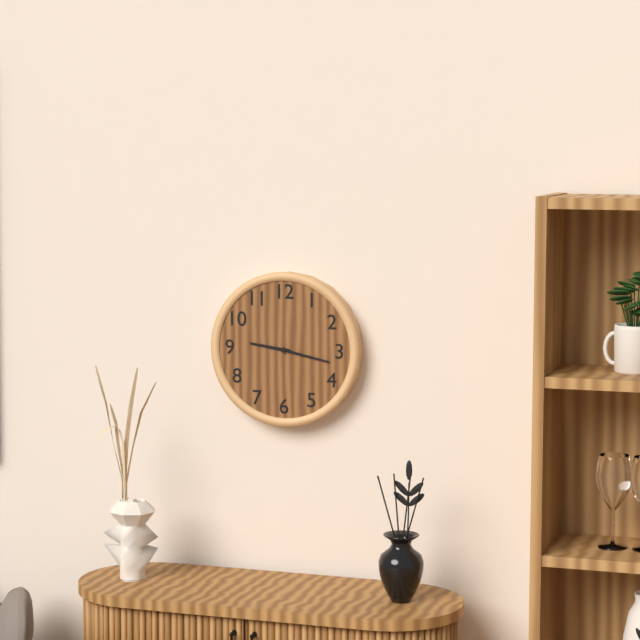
9.17
